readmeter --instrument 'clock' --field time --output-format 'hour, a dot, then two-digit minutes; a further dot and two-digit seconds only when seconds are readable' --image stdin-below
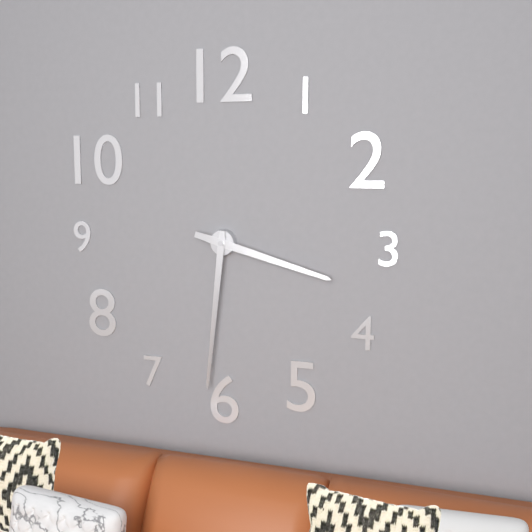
3.31
